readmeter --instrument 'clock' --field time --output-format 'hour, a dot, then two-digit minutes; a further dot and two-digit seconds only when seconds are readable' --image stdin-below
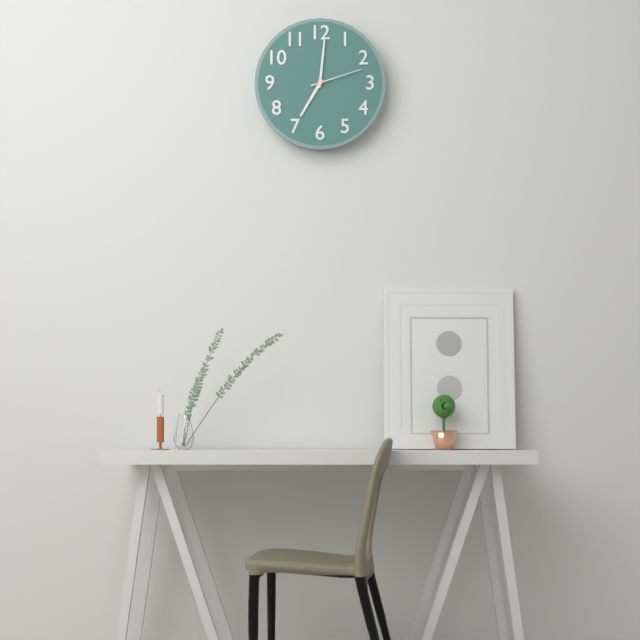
7.01.12
